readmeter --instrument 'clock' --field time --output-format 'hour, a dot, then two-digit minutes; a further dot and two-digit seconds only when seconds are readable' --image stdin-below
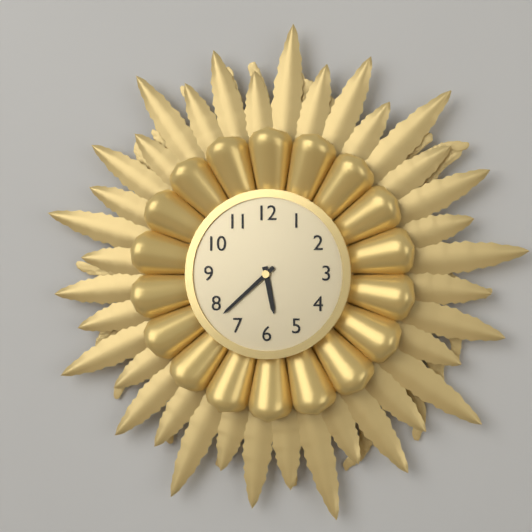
5.38
